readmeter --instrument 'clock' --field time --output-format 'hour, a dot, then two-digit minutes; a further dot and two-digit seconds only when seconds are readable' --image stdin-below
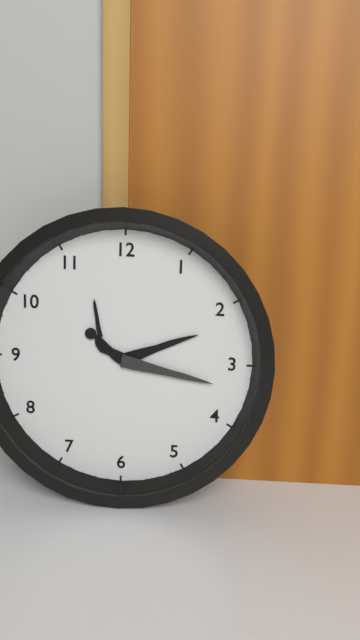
2.17
